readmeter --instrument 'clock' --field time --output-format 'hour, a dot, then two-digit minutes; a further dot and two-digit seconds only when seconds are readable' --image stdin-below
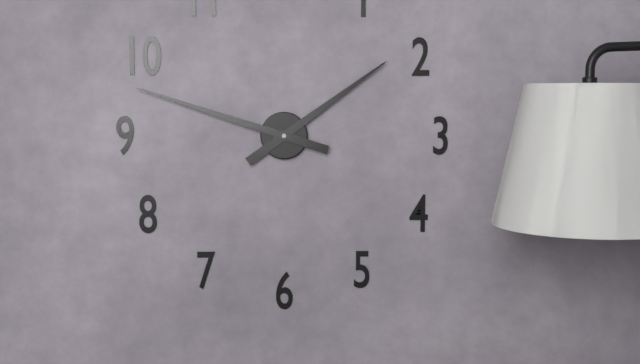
1.48
